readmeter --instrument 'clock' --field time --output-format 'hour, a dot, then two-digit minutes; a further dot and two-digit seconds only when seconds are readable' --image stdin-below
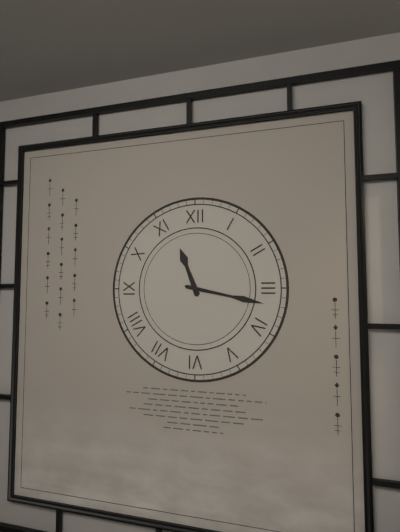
11.17
